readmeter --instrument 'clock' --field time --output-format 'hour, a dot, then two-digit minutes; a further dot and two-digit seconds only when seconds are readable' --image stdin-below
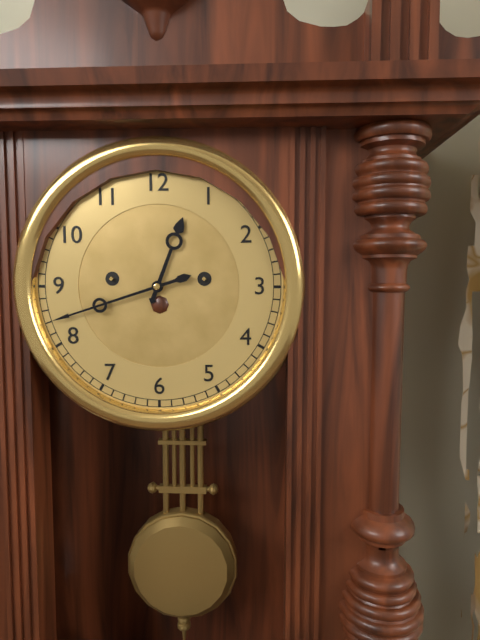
12.42
